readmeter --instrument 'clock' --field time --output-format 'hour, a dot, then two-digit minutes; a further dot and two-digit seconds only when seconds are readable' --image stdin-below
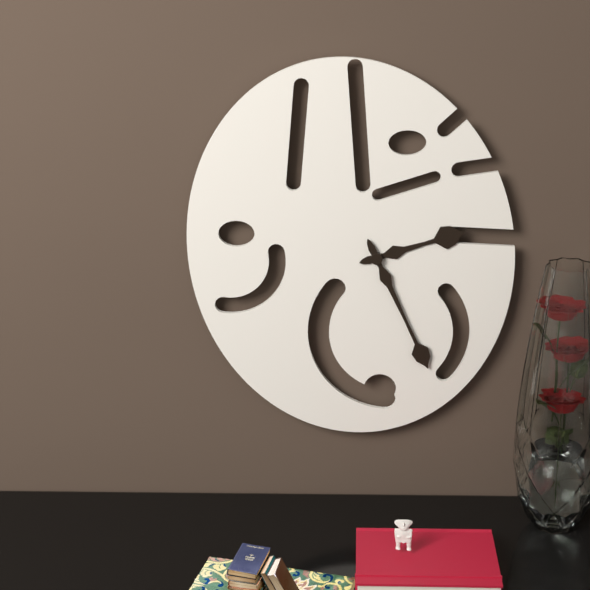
2.26
